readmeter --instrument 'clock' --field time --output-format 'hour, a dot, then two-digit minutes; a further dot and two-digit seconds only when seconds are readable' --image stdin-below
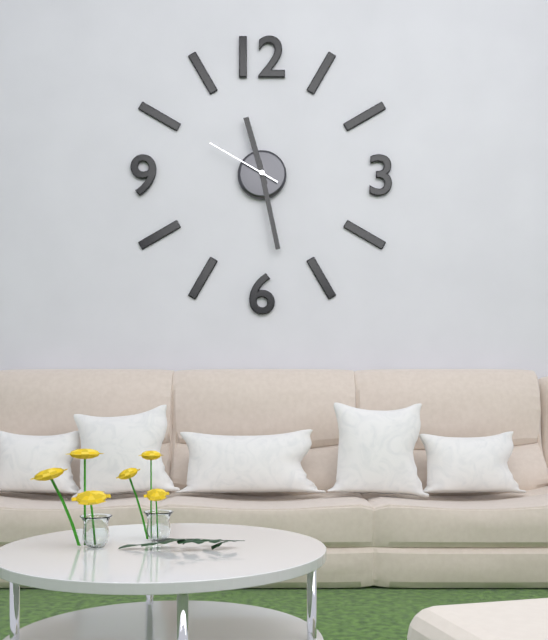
11.28.50
